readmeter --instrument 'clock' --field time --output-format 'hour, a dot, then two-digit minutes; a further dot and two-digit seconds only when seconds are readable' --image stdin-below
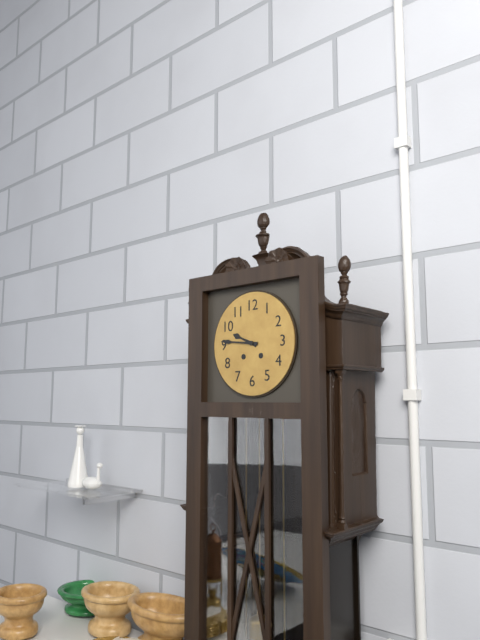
9.46
